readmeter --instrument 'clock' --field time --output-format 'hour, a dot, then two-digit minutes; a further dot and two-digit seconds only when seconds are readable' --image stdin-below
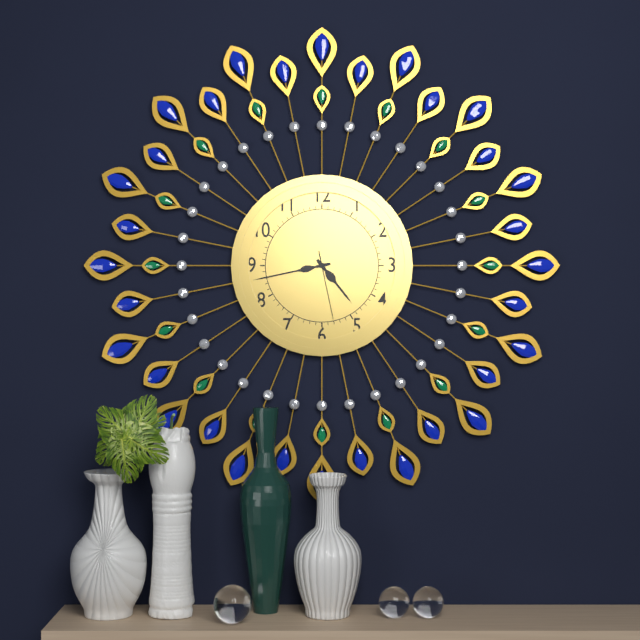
4.43.28
